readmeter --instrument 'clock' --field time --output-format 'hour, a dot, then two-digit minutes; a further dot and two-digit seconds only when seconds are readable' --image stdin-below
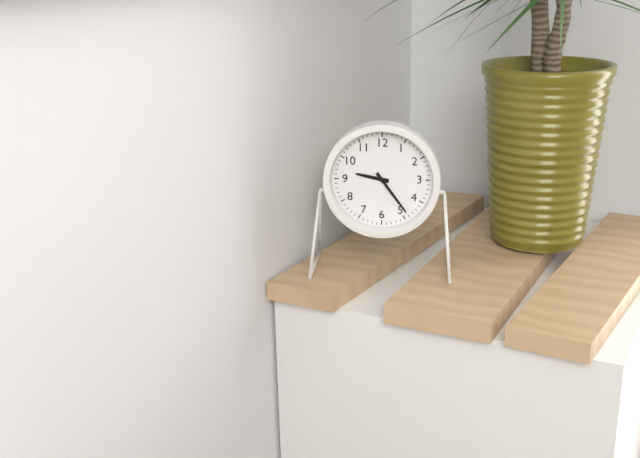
9.24
